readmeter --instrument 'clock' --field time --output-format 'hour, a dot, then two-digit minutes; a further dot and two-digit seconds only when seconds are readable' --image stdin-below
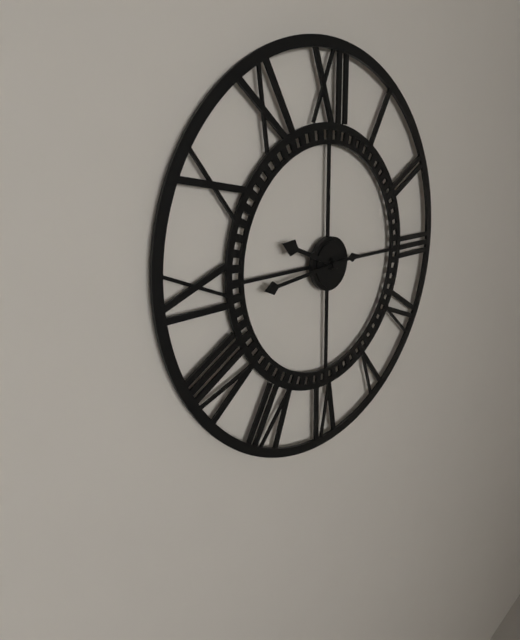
9.44
